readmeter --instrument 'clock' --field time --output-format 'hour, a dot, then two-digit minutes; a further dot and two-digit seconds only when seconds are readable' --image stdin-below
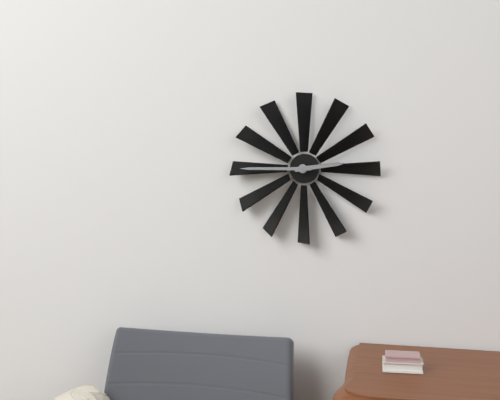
2.45
